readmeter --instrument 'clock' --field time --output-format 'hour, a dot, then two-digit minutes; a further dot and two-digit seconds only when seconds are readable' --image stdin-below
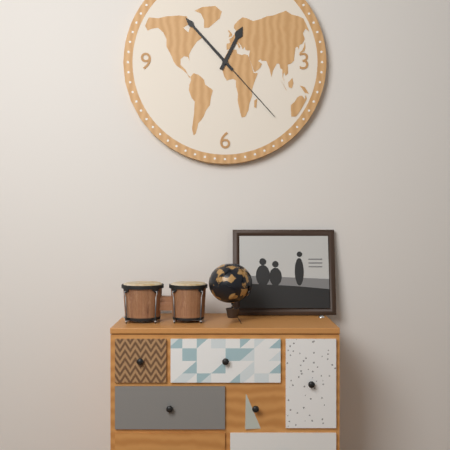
12.53.23
